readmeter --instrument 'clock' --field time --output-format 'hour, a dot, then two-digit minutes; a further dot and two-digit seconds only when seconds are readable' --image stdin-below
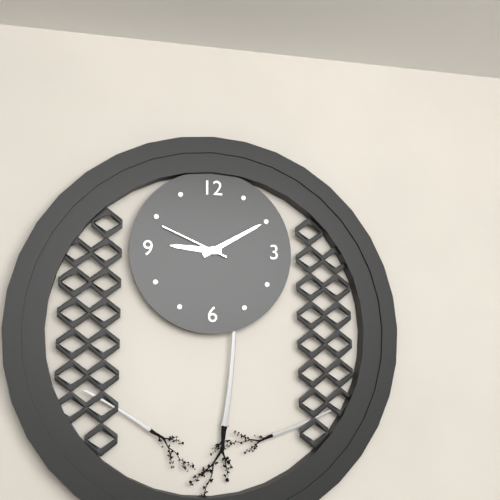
9.10.49
